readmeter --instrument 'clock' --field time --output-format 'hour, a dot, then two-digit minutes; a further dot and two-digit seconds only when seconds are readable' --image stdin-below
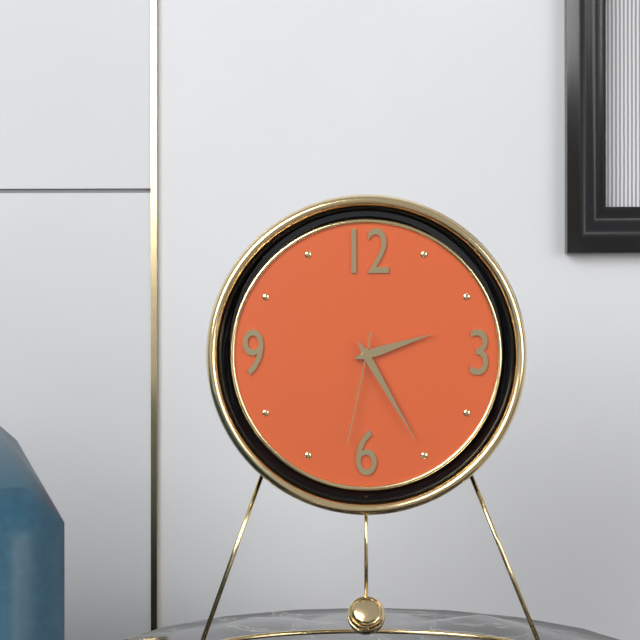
2.25.32
